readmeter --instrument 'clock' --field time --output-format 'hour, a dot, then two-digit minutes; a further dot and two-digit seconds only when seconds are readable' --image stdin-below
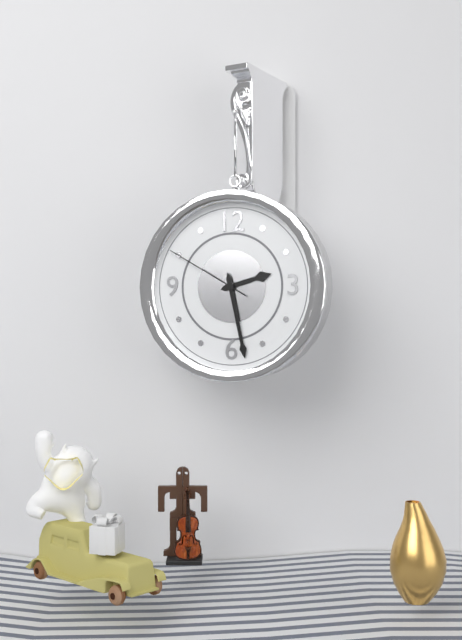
2.28.50
